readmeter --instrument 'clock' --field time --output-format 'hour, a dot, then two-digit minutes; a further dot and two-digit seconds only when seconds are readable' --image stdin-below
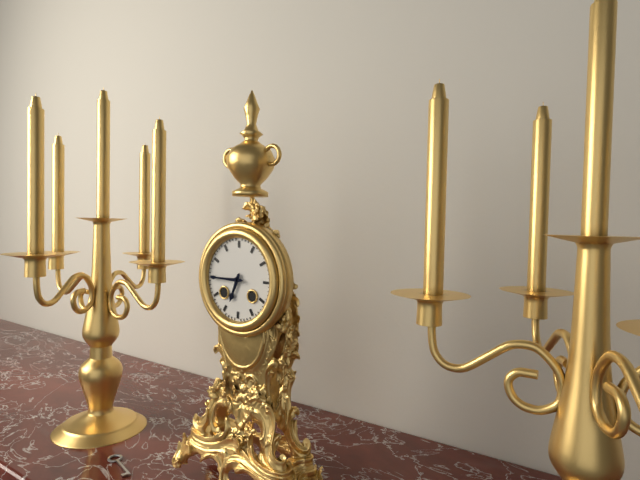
6.45
